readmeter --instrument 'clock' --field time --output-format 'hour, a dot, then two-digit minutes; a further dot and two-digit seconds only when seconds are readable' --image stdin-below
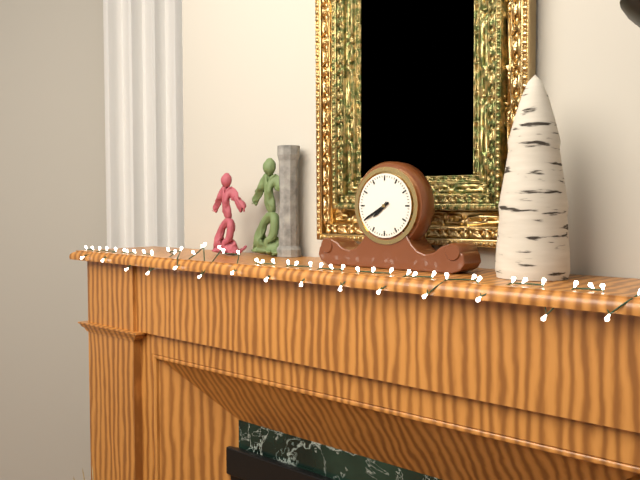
7.40
